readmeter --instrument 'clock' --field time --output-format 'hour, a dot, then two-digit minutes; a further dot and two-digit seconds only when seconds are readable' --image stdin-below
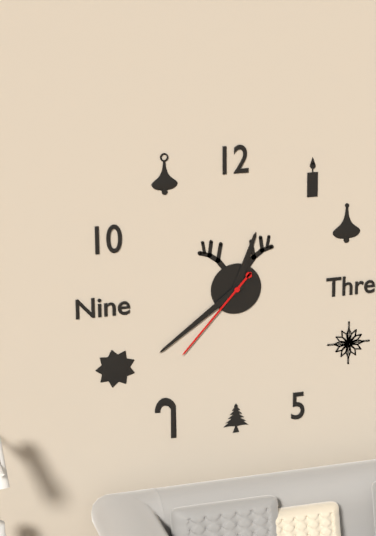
12.39.37
